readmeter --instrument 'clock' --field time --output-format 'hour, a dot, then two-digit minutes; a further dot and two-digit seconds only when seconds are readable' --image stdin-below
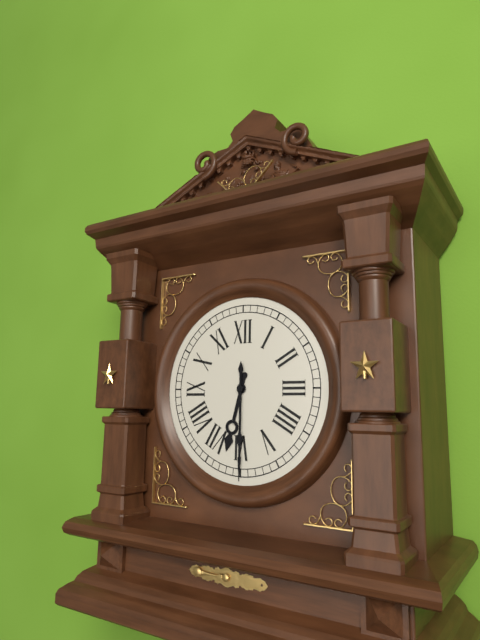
6.30
